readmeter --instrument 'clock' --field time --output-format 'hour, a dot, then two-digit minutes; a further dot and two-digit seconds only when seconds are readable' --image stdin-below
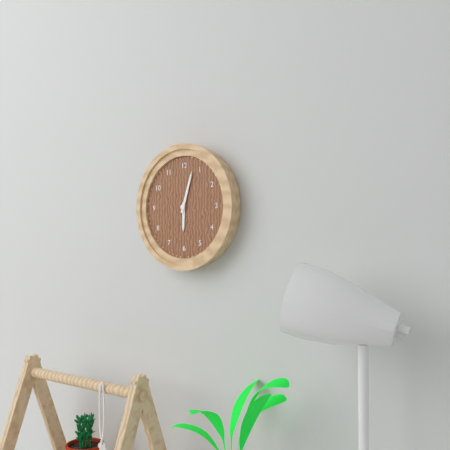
6.03
